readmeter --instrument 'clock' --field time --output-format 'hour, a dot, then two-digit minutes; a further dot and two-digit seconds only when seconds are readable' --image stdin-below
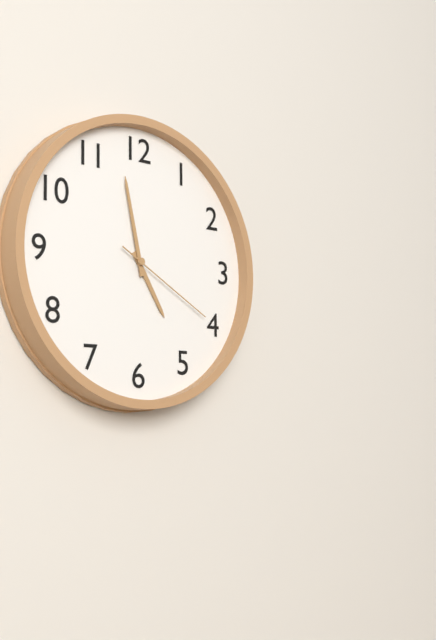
4.58.20
